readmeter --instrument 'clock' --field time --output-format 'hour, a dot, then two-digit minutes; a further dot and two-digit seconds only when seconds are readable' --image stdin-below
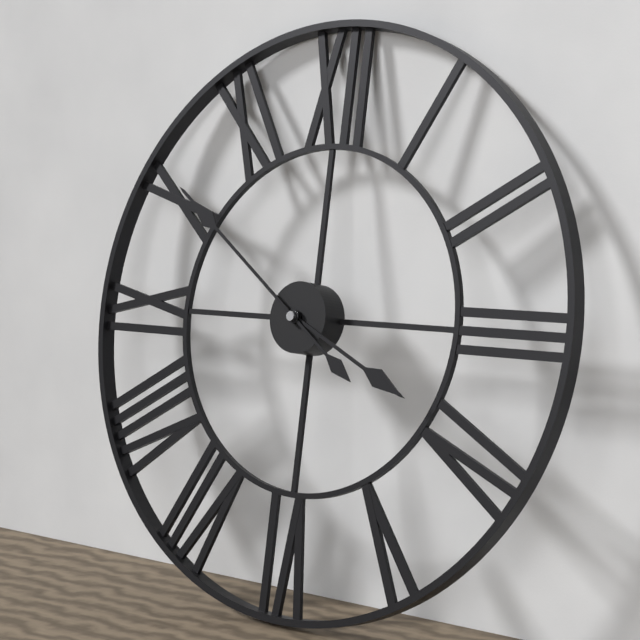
3.51
